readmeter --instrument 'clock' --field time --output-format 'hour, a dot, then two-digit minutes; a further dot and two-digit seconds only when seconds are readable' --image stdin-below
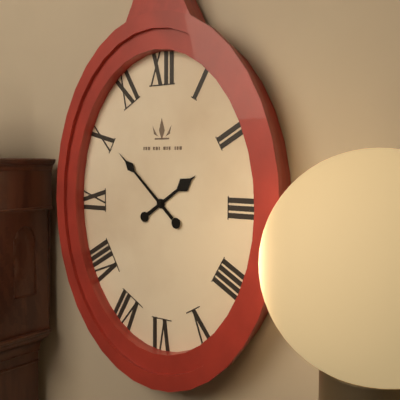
1.52
